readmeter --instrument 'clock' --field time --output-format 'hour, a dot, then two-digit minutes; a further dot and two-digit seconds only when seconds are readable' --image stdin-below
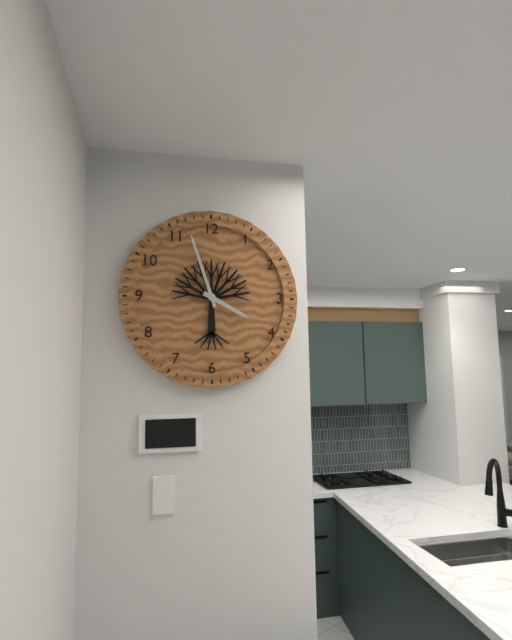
3.57
